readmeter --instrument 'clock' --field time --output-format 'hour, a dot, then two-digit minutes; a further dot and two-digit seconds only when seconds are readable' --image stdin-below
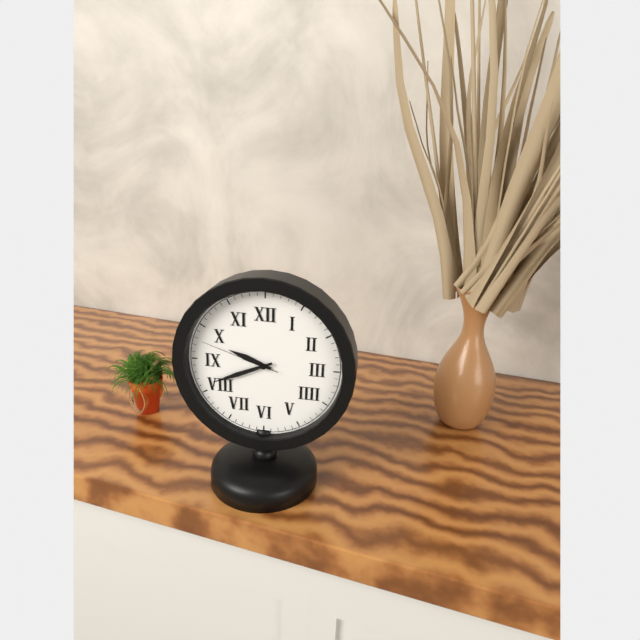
9.41.48
